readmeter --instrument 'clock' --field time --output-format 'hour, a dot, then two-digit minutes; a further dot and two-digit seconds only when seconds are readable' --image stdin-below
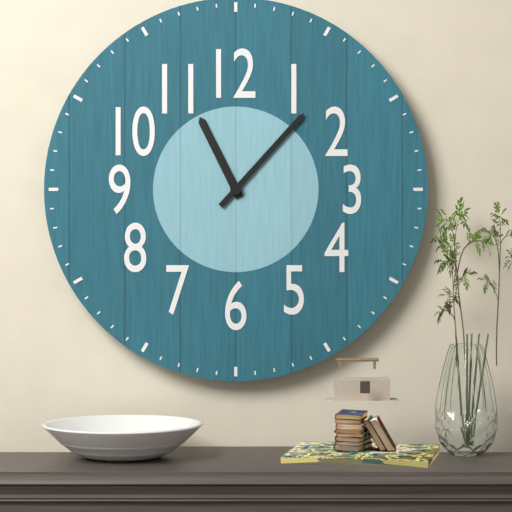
11.07
